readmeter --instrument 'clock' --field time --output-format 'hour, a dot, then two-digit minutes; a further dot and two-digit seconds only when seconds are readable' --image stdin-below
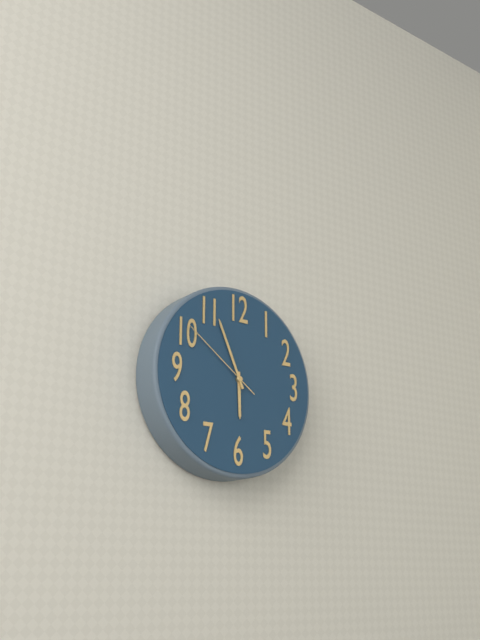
5.56.51
